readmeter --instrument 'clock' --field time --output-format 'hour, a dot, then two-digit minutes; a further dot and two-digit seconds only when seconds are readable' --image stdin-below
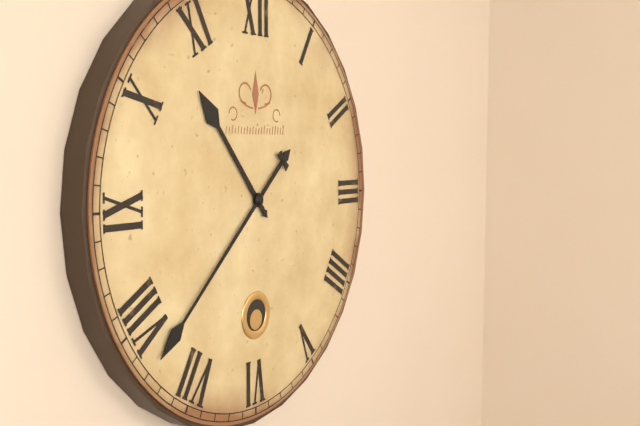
10.38
